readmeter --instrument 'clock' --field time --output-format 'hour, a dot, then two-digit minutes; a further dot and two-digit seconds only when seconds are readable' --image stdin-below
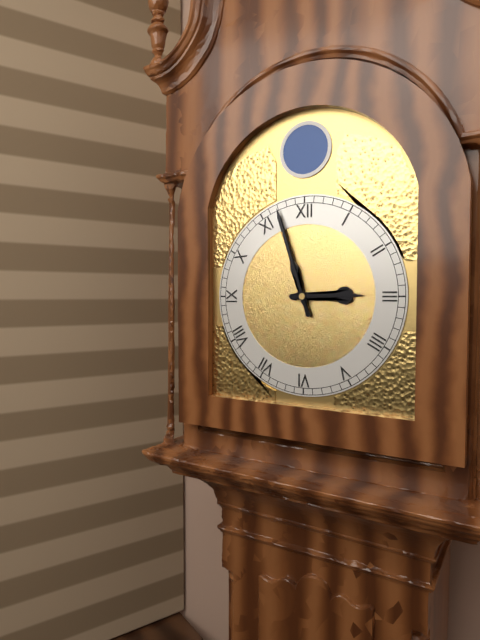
2.57
